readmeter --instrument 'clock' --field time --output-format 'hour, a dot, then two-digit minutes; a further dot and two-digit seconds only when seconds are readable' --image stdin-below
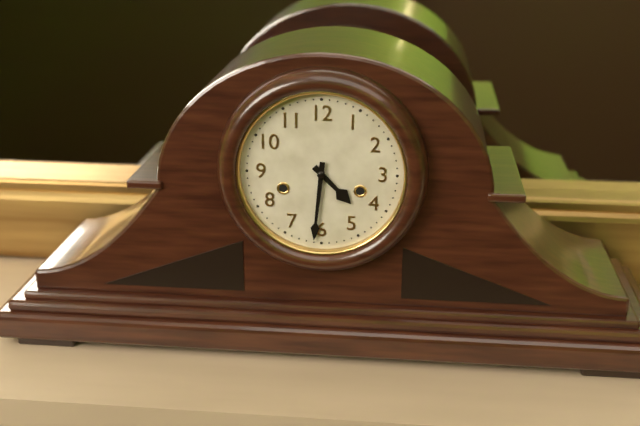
4.31
